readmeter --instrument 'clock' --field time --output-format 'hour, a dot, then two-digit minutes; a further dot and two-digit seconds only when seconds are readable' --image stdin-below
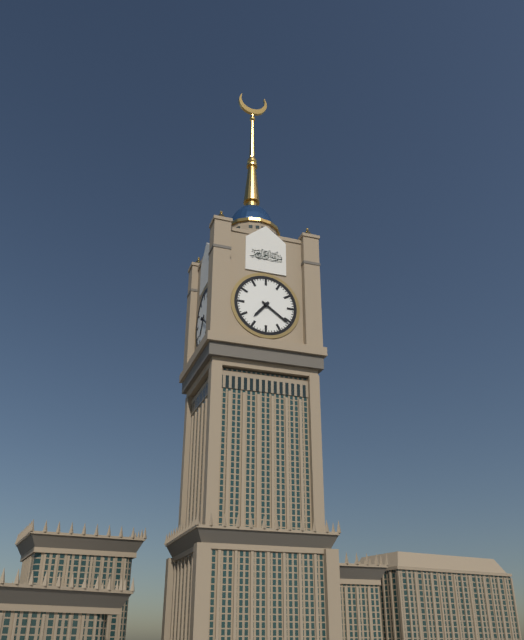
7.21
